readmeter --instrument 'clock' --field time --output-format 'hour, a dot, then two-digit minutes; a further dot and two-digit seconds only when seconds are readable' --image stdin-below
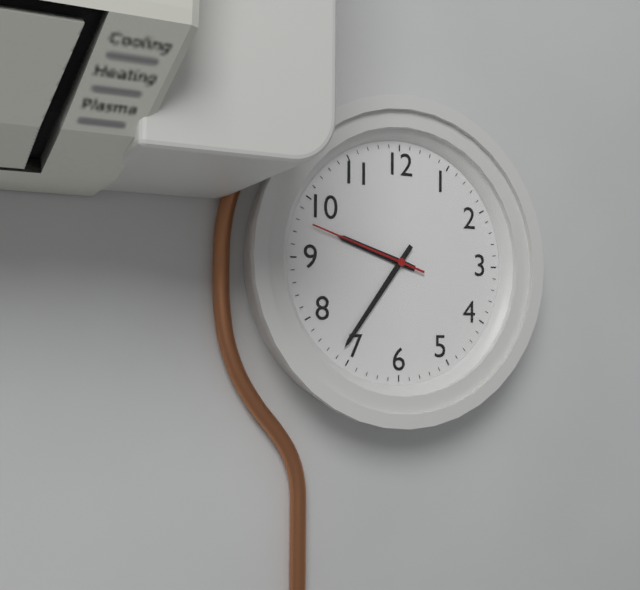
9.36.48
